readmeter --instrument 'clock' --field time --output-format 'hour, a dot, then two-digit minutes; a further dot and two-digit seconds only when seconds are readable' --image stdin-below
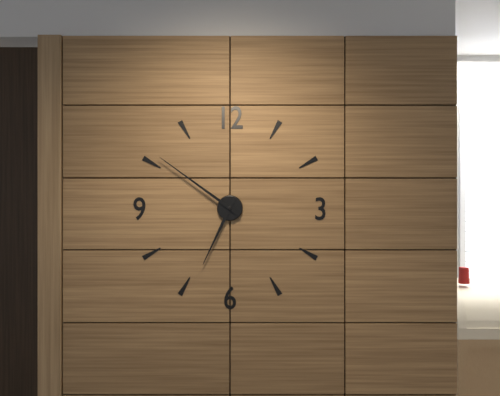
6.51
